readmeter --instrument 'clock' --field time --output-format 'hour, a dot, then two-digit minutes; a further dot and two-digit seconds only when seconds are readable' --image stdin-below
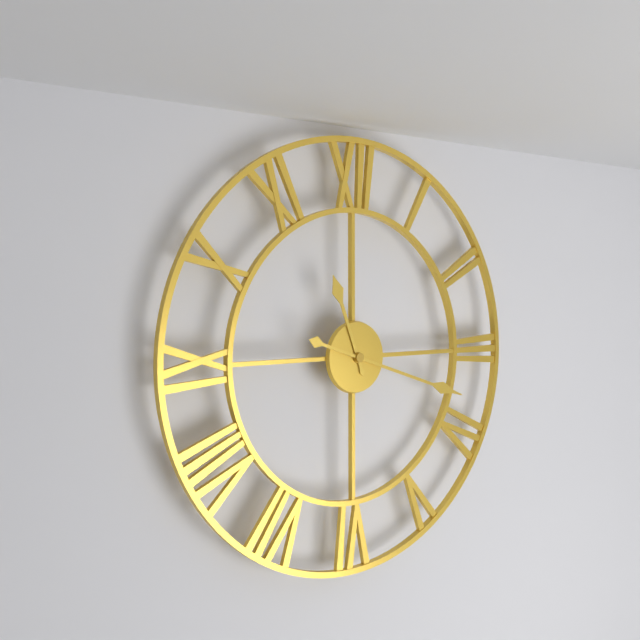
11.18
